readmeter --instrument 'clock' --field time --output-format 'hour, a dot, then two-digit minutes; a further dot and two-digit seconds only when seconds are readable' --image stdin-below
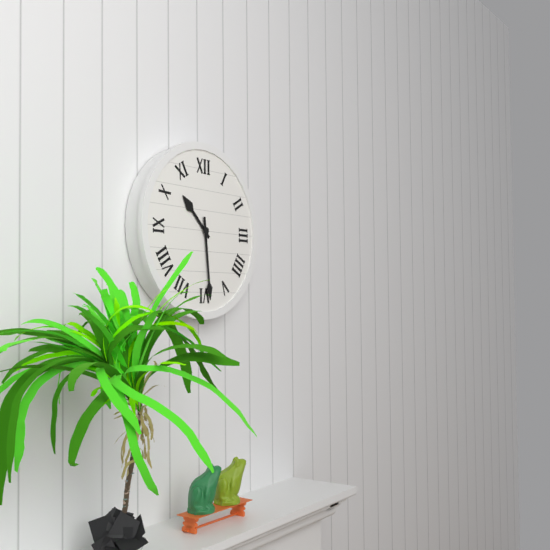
10.29
